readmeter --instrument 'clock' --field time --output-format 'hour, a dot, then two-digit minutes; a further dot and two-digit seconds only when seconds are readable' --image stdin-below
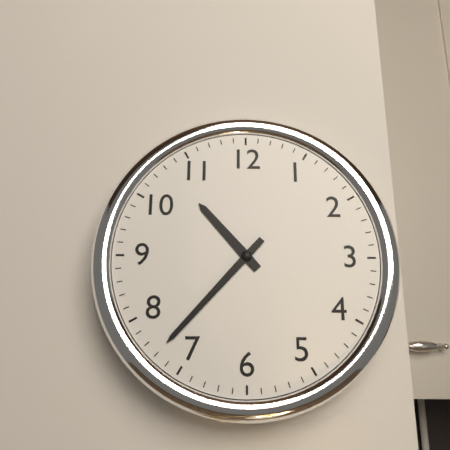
10.37
